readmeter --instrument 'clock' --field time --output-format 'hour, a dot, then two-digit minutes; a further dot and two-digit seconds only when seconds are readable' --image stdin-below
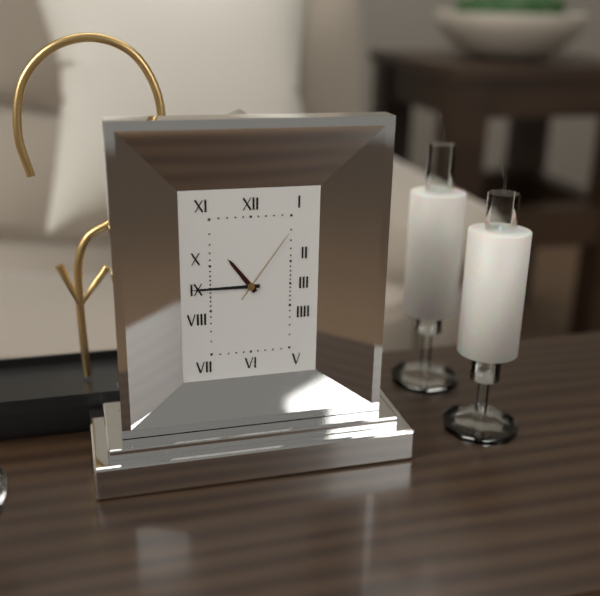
10.45.06
